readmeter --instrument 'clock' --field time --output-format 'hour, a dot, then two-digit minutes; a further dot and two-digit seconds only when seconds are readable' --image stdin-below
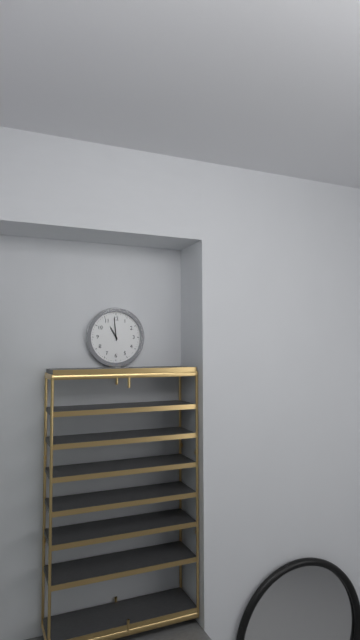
10.59
